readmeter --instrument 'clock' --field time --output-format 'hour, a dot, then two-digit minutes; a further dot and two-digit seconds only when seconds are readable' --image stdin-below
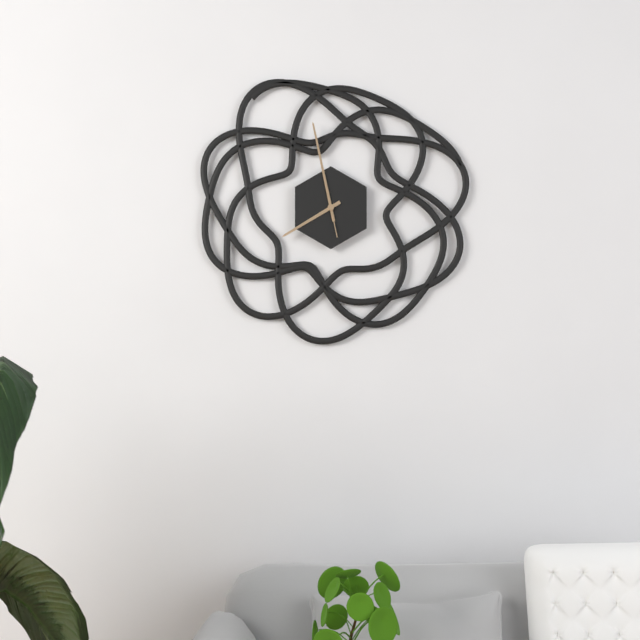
7.58.58
